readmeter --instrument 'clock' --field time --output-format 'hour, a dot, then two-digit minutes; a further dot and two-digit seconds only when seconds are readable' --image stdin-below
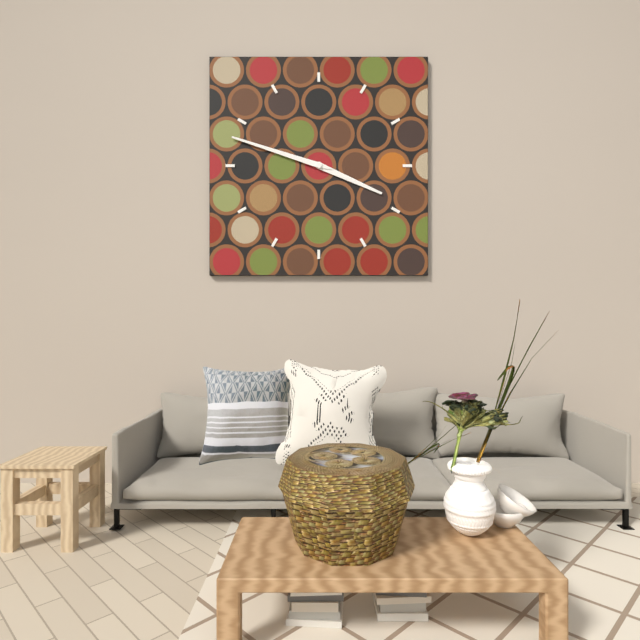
3.48
